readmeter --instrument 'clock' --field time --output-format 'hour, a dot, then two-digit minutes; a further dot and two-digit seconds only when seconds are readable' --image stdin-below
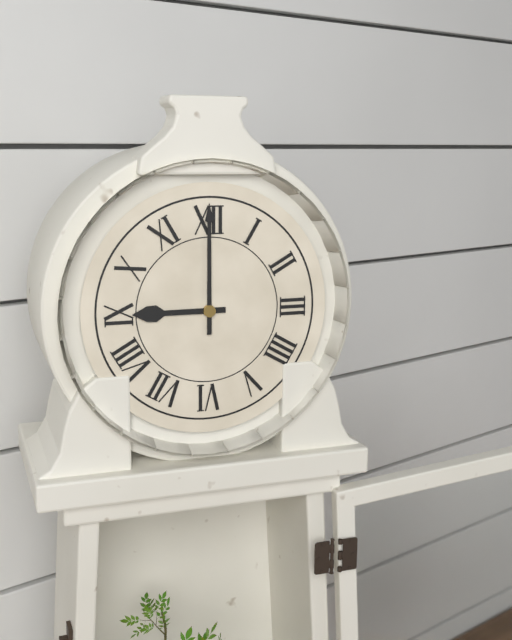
9.00
